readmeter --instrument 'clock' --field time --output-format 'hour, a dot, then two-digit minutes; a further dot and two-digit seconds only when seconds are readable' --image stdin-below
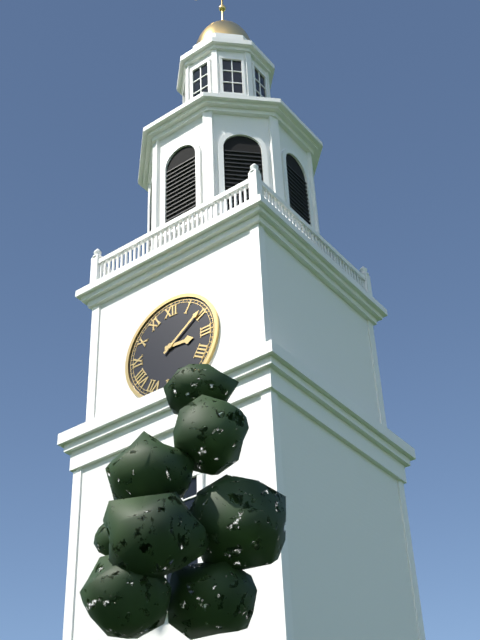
3.09
